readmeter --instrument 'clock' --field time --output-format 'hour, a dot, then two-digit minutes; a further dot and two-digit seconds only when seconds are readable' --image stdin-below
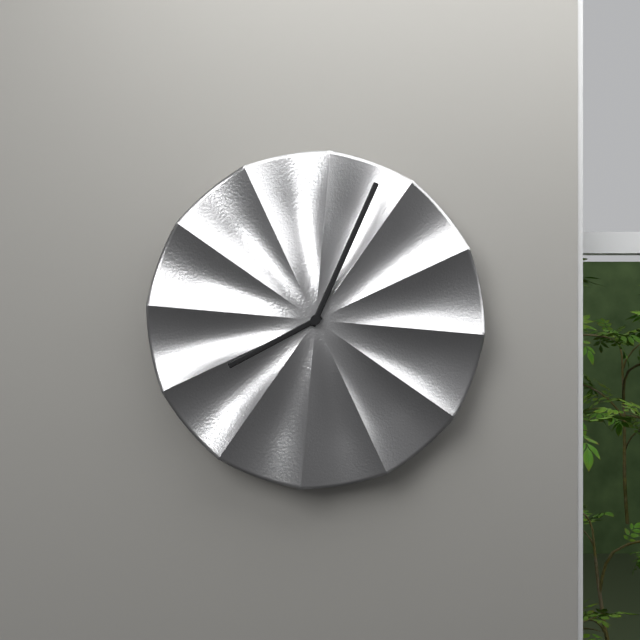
8.04
